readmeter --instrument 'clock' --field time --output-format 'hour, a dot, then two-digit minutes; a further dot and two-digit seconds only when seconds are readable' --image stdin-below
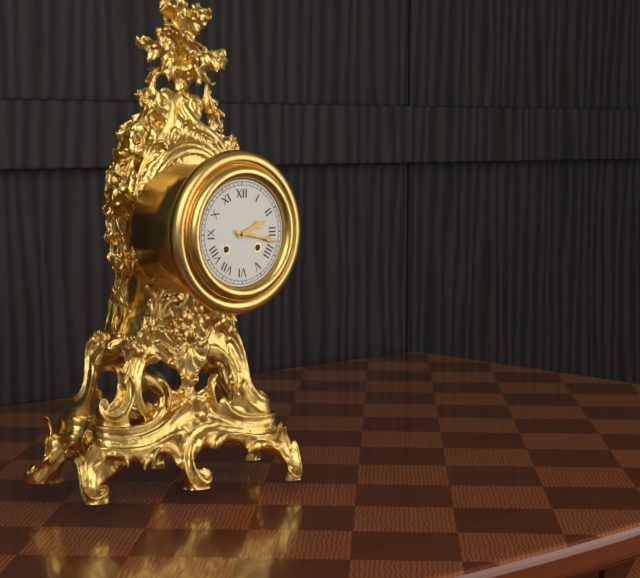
2.17
